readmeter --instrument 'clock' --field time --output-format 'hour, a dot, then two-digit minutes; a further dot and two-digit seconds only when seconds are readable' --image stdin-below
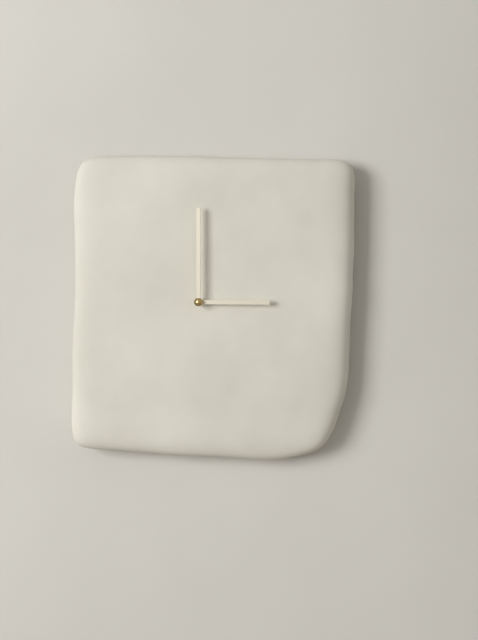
3.00
